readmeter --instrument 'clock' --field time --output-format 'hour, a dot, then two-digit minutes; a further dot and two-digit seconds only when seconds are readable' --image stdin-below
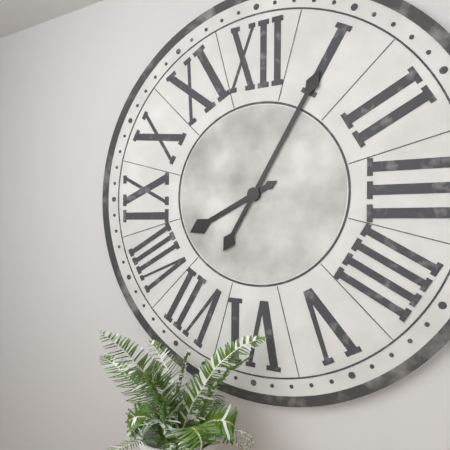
8.05
